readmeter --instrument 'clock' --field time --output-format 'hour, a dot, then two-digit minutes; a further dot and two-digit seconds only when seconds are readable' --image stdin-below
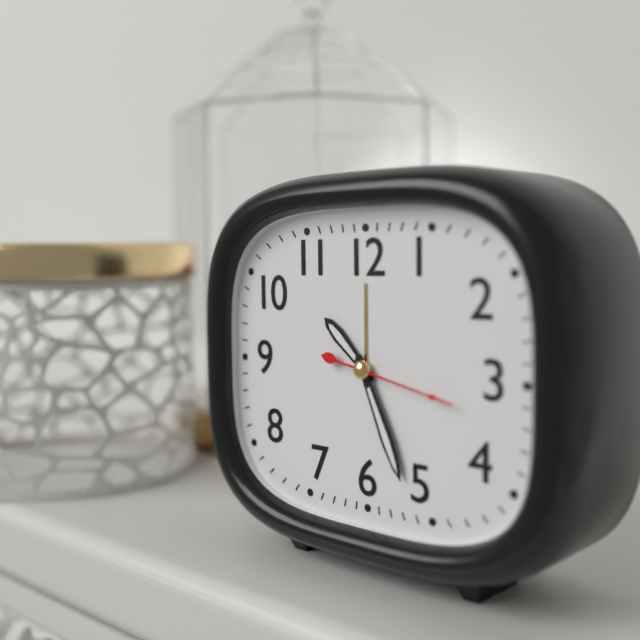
10.26.17
